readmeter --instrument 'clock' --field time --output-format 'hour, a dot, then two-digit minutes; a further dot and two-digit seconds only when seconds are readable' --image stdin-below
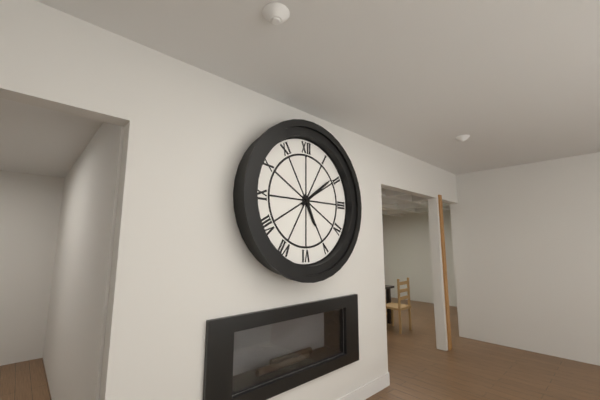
5.09
